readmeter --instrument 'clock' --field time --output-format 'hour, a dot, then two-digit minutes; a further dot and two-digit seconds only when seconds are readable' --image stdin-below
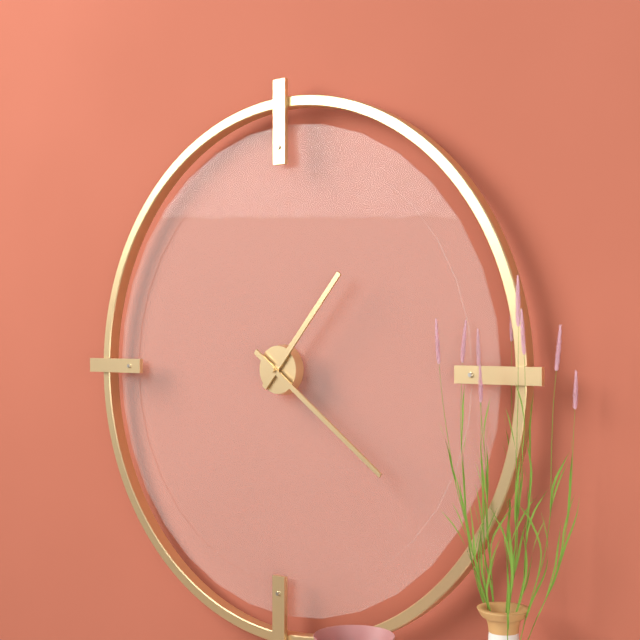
1.21
